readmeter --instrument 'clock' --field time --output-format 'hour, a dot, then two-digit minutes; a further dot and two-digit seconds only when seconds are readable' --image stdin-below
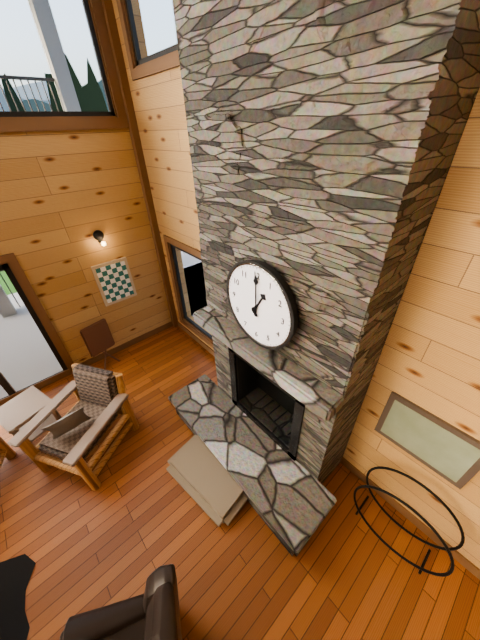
1.00
